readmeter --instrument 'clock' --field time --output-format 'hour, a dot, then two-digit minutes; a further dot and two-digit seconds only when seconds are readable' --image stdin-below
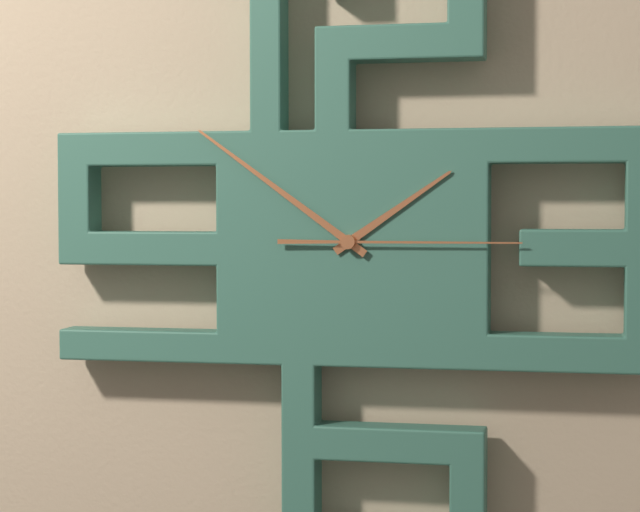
1.51.15
